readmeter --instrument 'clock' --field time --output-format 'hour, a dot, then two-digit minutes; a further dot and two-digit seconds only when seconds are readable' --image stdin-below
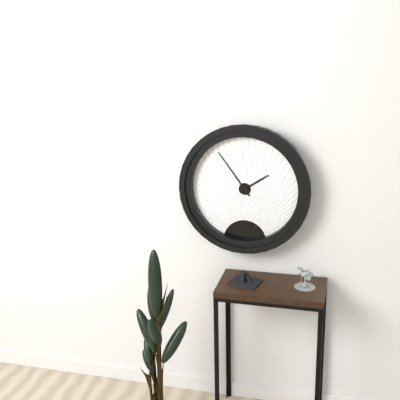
1.54
